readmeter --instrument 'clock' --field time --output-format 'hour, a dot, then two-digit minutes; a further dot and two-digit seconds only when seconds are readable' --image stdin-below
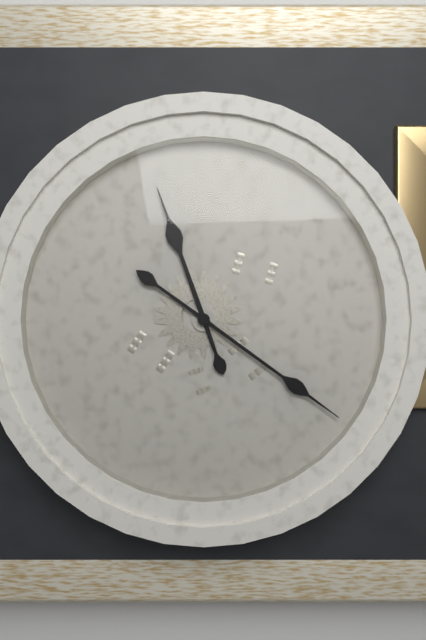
11.21
